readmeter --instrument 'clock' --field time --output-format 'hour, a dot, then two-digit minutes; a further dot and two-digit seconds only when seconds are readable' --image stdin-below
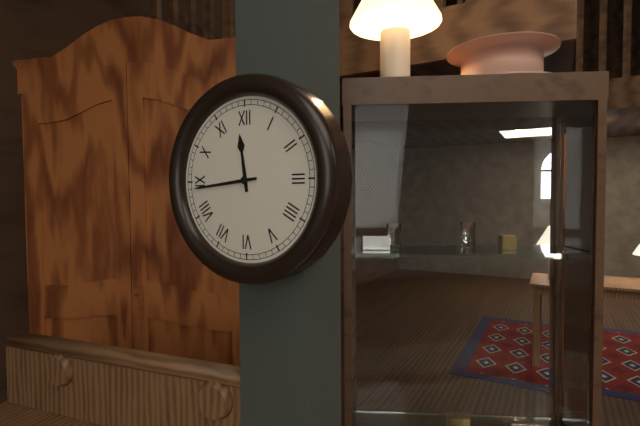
11.44
